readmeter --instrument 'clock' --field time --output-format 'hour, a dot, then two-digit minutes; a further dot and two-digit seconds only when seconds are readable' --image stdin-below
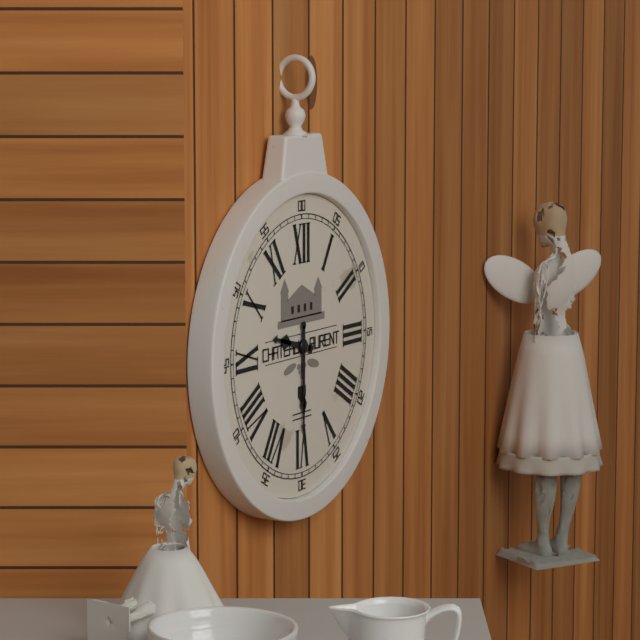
9.30
